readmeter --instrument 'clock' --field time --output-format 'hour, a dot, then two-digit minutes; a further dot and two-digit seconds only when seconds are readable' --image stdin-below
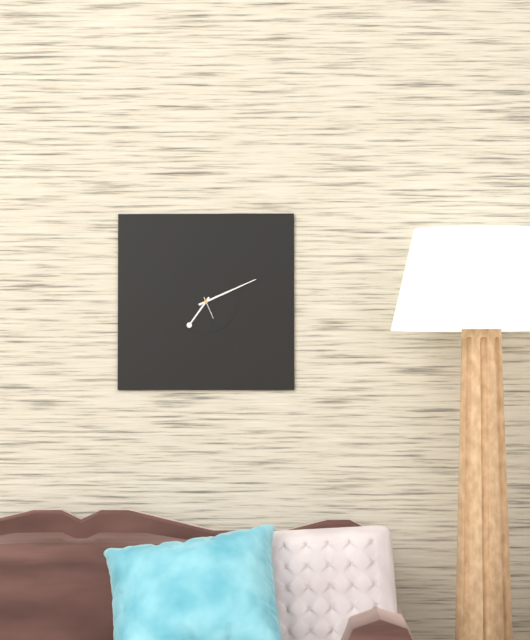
7.11
